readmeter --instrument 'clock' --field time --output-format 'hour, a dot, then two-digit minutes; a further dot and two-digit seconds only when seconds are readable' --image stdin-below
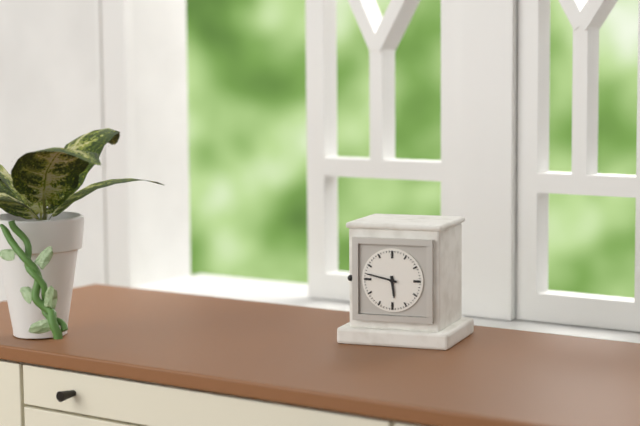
5.47
